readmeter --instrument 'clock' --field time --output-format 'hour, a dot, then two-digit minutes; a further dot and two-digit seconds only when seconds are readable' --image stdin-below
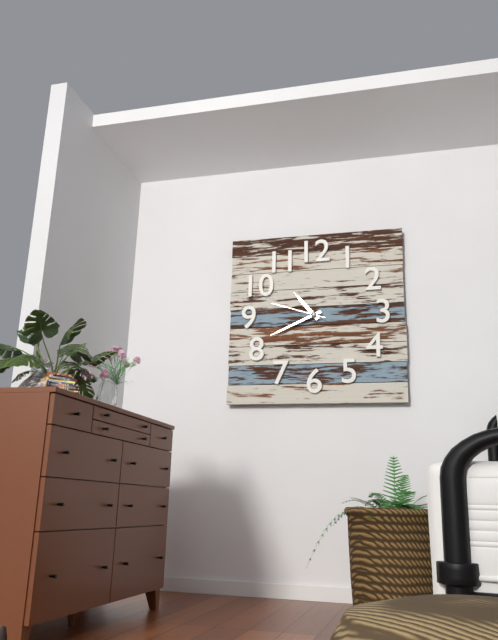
10.41.48
